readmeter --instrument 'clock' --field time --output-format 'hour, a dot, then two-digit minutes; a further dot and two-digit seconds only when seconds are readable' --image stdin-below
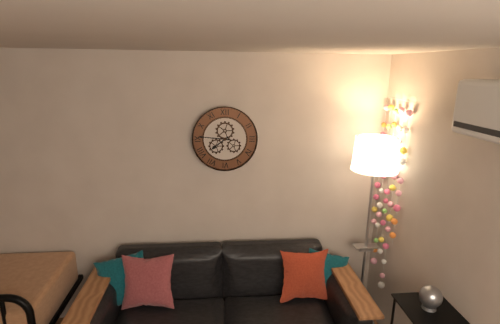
7.46
